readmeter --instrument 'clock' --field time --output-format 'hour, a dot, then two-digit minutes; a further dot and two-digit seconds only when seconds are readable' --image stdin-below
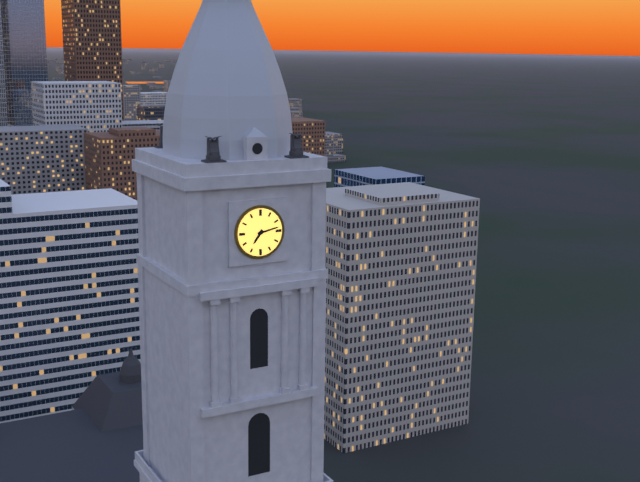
7.13
